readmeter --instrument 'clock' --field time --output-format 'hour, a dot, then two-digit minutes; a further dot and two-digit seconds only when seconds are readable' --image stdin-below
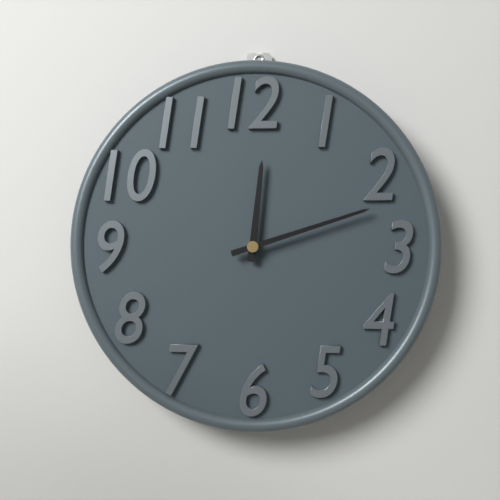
12.12
